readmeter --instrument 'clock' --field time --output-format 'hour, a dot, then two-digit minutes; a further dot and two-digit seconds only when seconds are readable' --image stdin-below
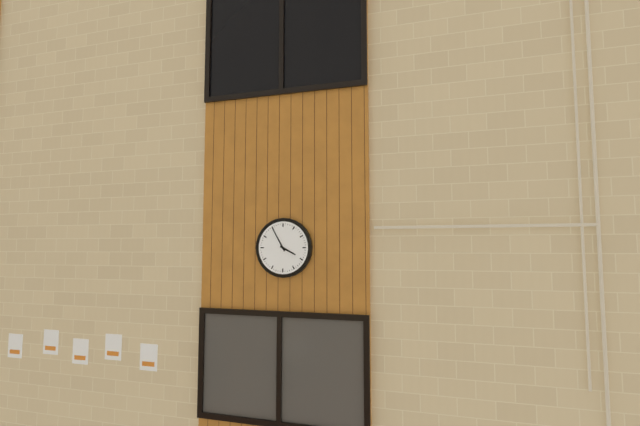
3.55
